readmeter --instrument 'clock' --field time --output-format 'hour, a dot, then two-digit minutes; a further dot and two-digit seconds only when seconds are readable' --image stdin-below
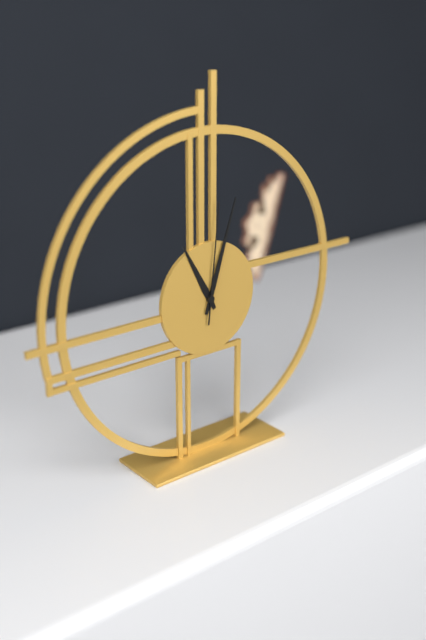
11.03.01
